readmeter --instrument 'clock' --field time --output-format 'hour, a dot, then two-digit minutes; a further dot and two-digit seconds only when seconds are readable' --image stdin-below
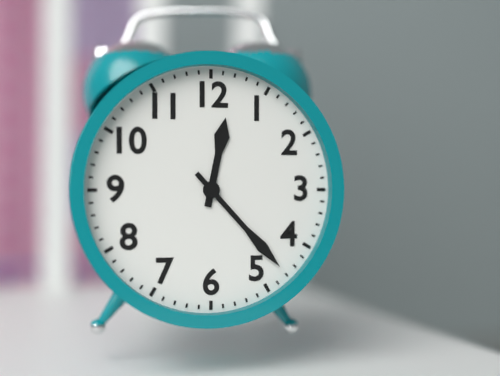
12.23
